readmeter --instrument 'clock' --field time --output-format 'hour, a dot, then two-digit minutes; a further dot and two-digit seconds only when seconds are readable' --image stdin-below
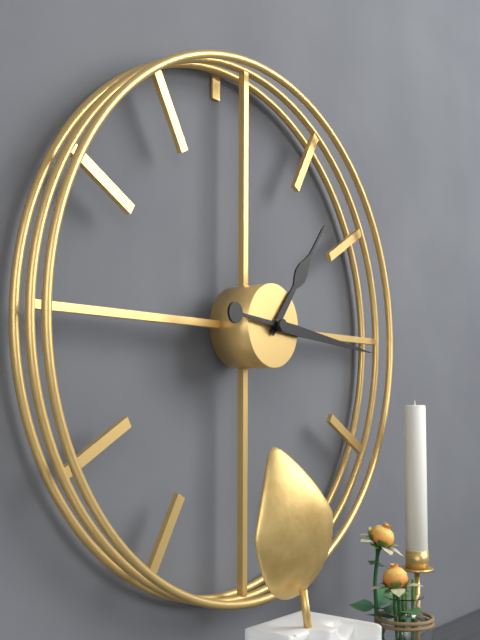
1.16
